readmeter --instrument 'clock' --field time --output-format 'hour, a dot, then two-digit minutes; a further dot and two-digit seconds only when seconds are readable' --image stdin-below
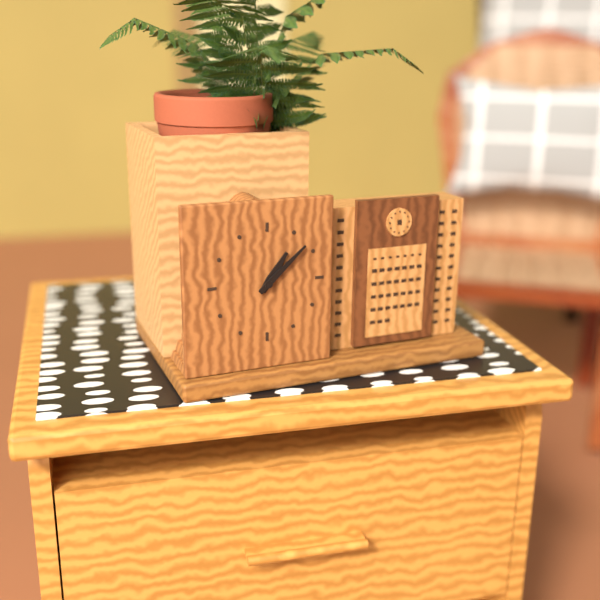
1.08
